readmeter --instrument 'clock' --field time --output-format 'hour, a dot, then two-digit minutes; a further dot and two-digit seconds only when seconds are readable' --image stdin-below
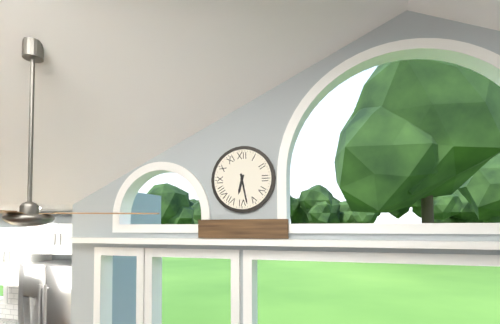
6.28
